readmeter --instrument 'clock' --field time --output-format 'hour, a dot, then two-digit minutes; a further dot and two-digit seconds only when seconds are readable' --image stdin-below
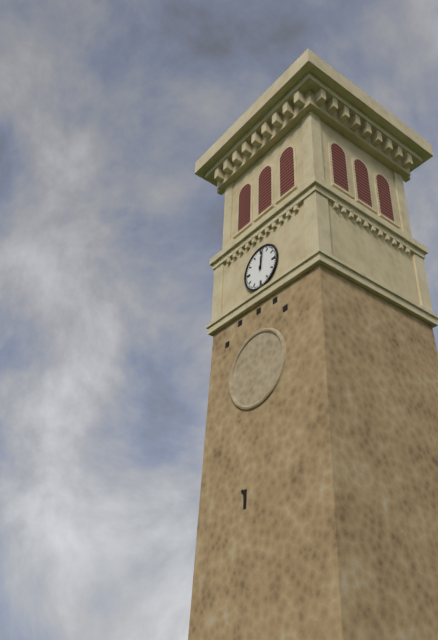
12.02
